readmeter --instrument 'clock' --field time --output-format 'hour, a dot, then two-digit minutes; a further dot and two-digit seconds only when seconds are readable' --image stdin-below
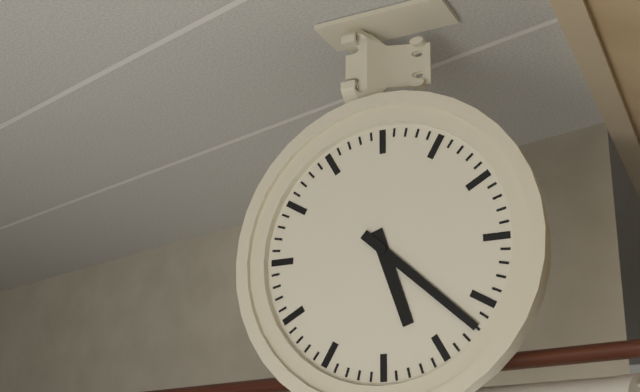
5.22
